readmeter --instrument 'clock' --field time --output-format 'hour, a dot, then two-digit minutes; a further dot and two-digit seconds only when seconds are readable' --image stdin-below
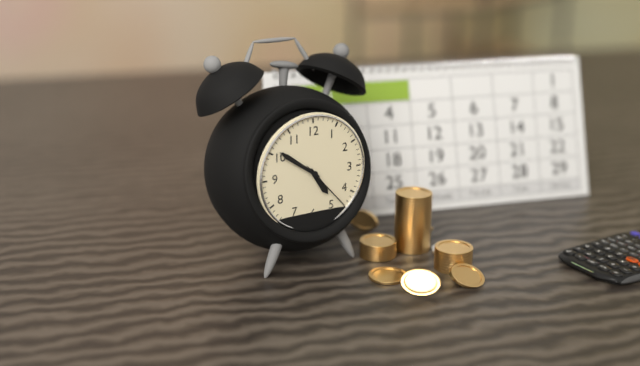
4.51.23
